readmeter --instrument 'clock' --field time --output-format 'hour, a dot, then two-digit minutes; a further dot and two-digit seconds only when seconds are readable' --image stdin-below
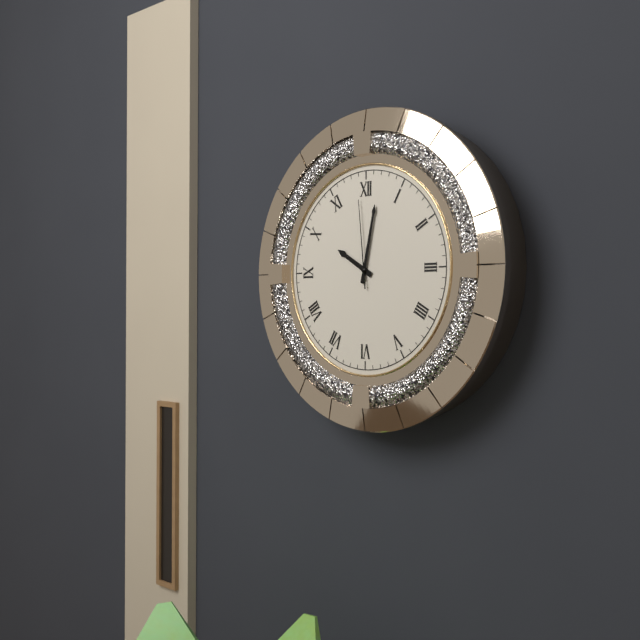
10.02.59
